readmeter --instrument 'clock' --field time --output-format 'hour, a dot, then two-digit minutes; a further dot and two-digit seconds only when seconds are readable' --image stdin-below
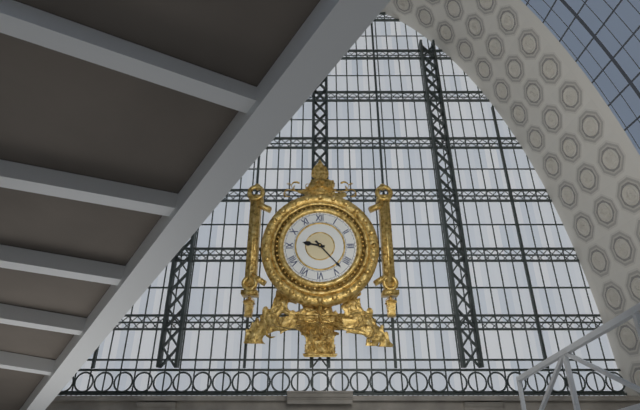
9.23
